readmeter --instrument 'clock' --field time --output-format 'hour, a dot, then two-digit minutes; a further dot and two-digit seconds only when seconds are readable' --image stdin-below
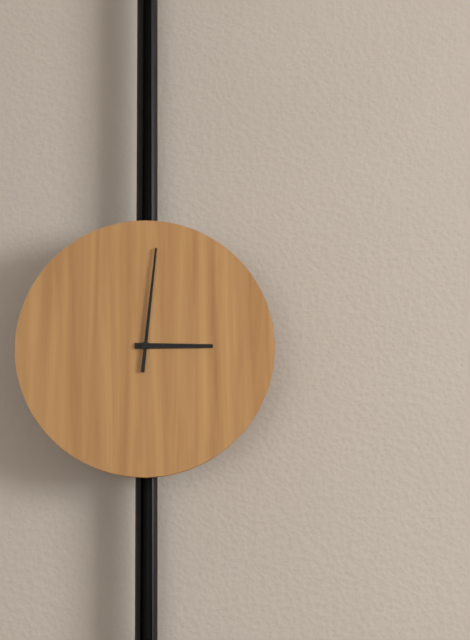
3.01
